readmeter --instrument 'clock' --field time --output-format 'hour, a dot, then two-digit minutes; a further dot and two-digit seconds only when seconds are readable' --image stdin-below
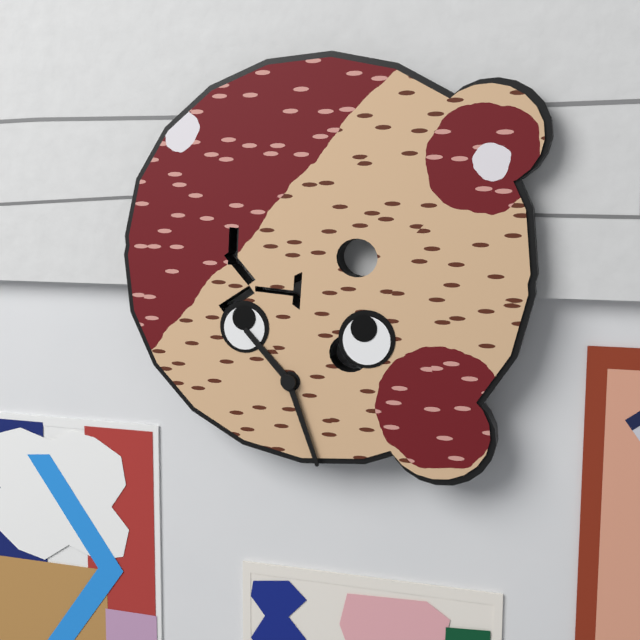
10.26
